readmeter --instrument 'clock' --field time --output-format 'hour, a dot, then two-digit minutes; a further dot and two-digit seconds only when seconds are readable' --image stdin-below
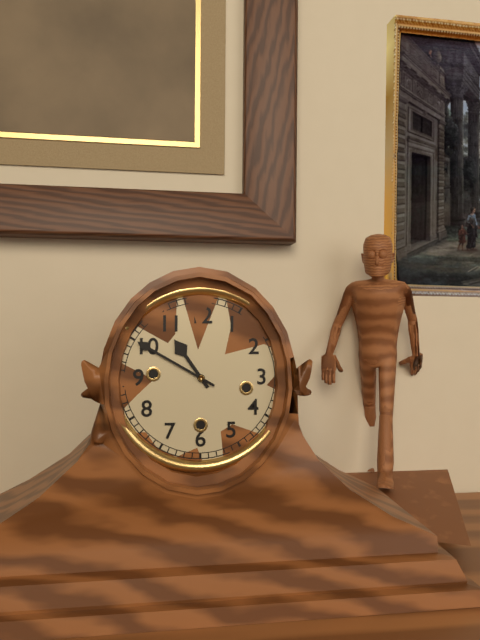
10.50
